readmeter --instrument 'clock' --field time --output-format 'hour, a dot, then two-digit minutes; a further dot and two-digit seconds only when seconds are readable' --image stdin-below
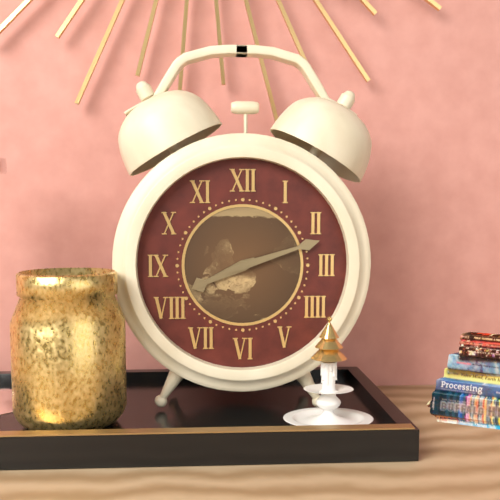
8.12
